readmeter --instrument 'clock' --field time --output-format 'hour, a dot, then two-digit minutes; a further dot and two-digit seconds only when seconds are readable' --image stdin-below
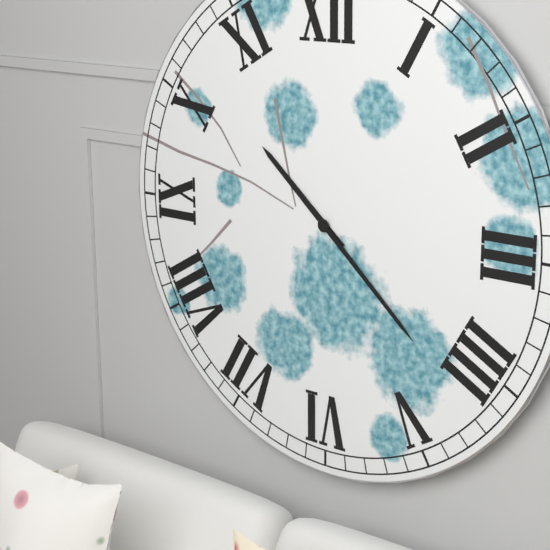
10.22
